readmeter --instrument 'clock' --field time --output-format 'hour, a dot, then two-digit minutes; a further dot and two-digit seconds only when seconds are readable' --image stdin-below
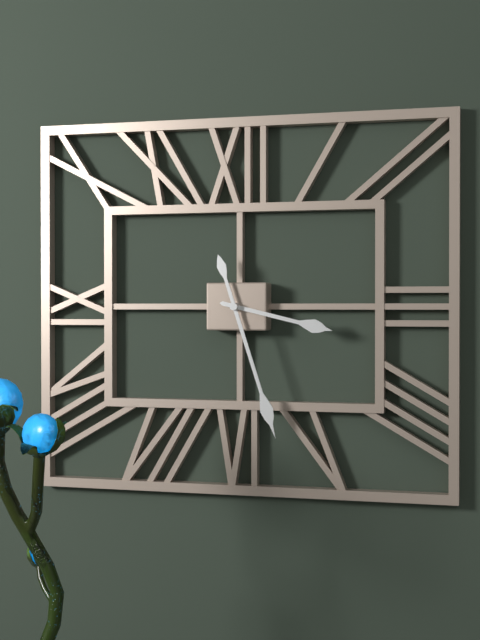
3.27
